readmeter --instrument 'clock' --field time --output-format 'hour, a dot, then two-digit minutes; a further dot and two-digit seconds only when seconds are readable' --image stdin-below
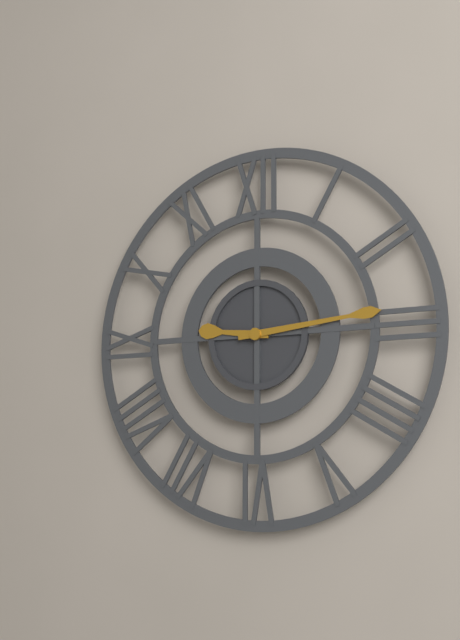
9.14
